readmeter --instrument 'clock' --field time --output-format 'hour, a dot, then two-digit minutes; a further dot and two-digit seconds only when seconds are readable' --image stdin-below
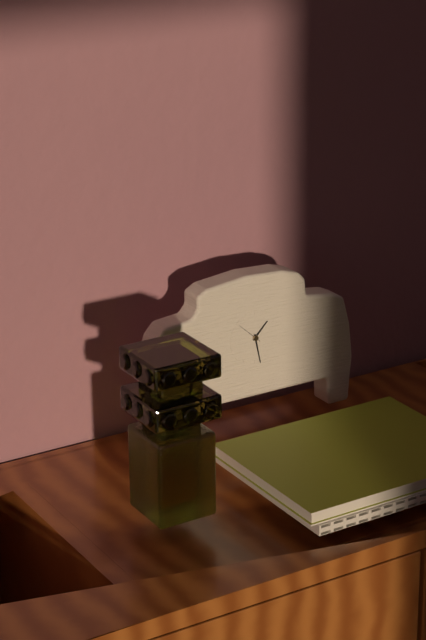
1.28
